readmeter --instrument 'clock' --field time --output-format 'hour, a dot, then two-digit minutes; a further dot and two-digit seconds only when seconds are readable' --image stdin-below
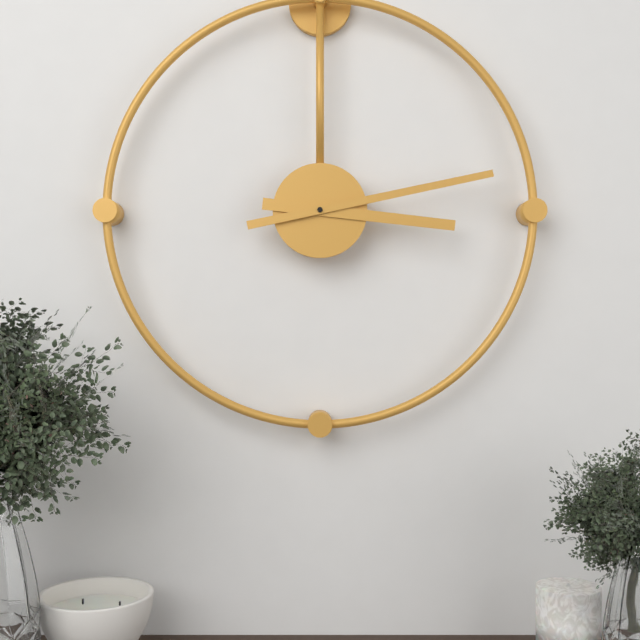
3.13
